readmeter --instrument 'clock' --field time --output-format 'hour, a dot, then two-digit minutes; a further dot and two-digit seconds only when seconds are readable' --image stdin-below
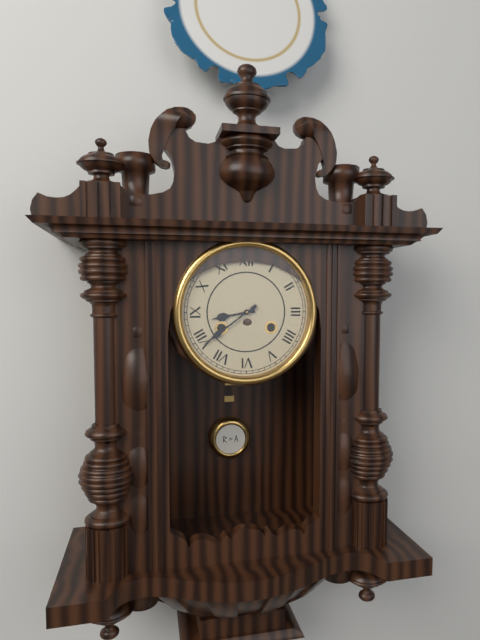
8.39
